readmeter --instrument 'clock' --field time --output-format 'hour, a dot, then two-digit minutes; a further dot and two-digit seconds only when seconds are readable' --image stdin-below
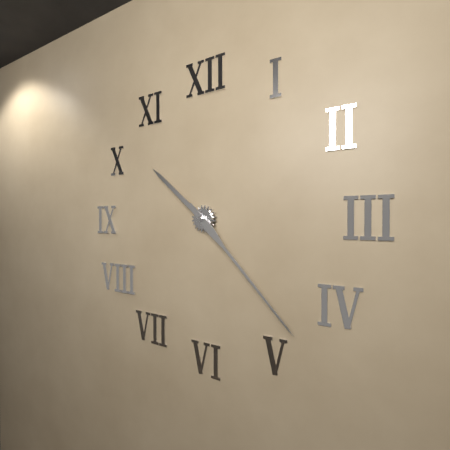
10.23
